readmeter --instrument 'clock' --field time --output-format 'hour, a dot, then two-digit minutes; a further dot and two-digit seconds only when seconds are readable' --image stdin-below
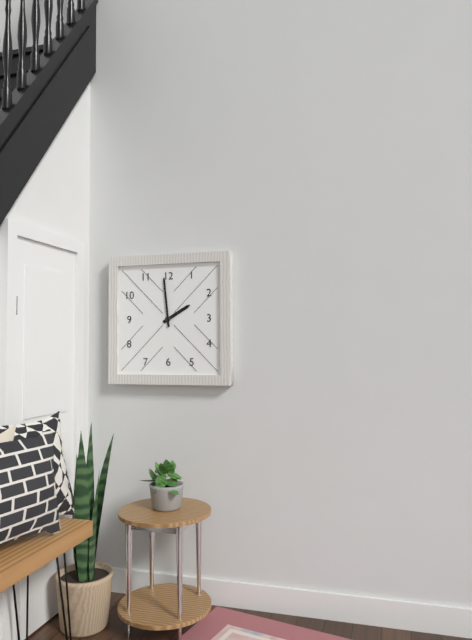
1.59
